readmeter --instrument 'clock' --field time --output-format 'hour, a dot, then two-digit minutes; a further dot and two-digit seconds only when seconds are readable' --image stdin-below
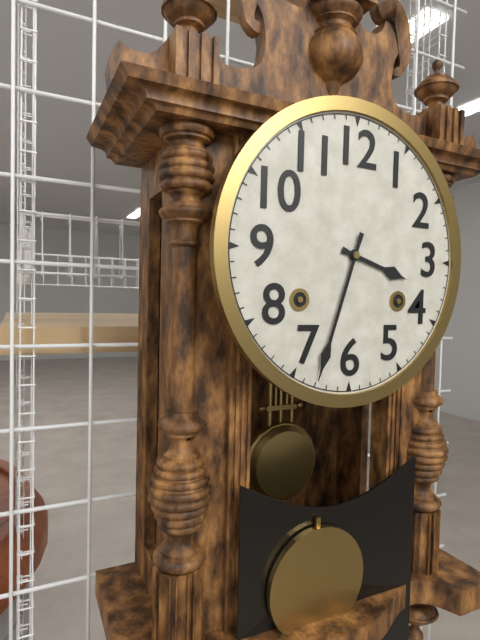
3.33
